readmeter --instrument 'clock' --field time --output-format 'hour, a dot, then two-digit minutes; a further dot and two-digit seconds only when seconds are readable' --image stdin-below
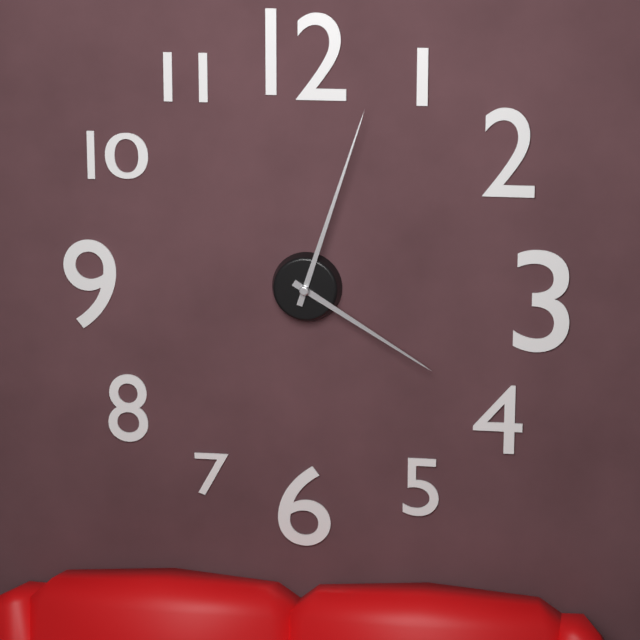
4.03
